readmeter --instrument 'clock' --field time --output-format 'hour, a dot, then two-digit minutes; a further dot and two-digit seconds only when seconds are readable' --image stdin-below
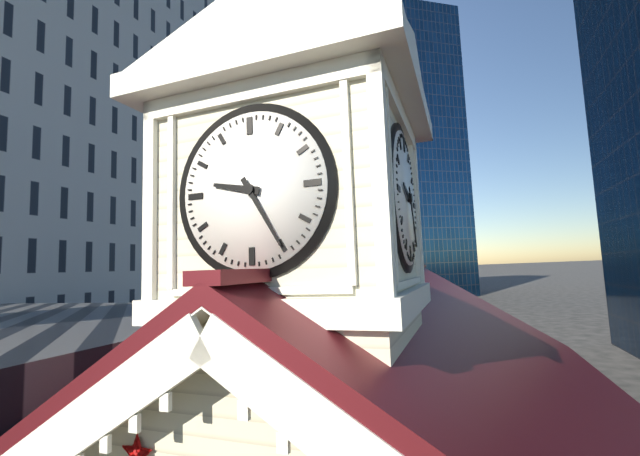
9.25
